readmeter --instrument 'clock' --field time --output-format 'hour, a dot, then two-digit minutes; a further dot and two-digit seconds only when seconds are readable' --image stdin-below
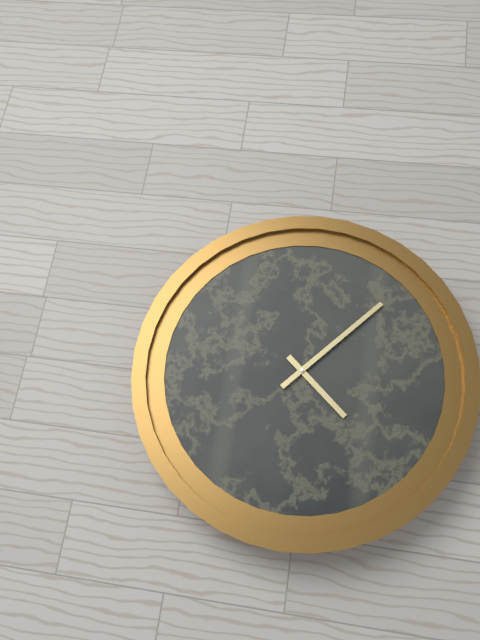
7.22
